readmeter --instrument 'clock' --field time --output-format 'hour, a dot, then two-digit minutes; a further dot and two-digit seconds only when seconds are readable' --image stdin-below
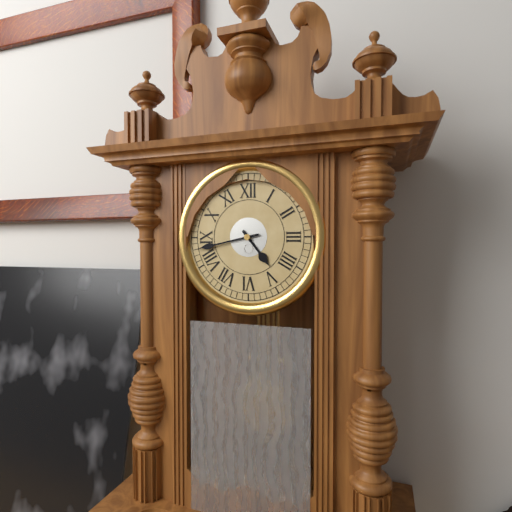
4.43
